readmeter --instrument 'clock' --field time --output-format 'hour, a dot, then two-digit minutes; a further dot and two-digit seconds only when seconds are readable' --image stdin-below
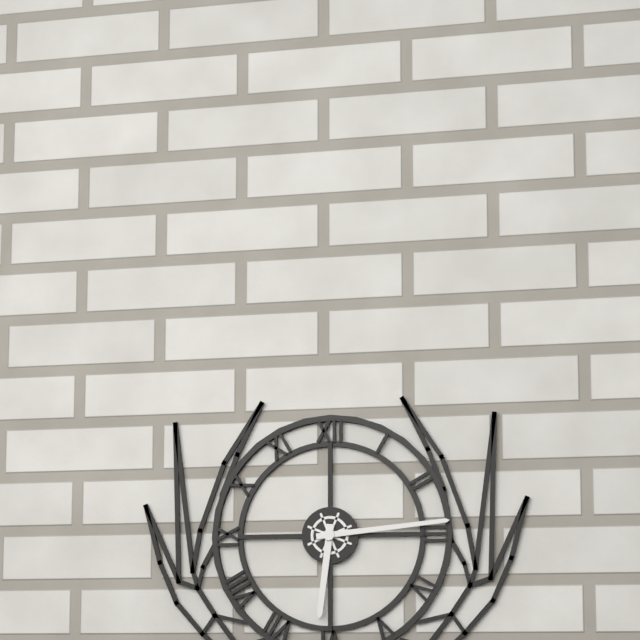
6.14
